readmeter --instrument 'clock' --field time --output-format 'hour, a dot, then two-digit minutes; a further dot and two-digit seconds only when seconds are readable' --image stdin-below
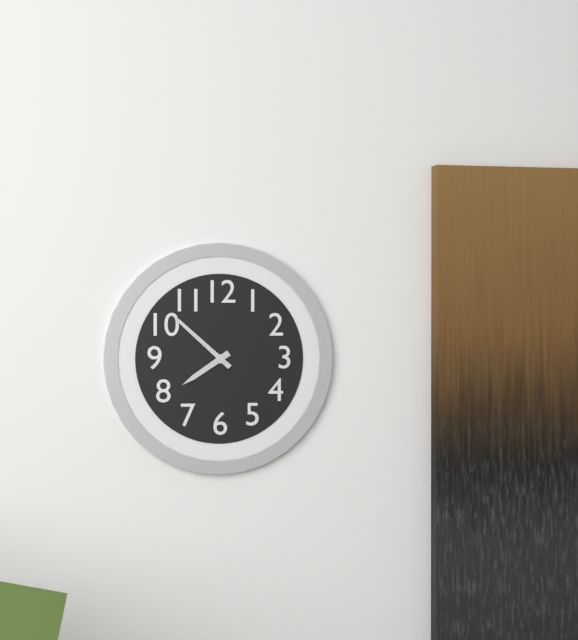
7.52
